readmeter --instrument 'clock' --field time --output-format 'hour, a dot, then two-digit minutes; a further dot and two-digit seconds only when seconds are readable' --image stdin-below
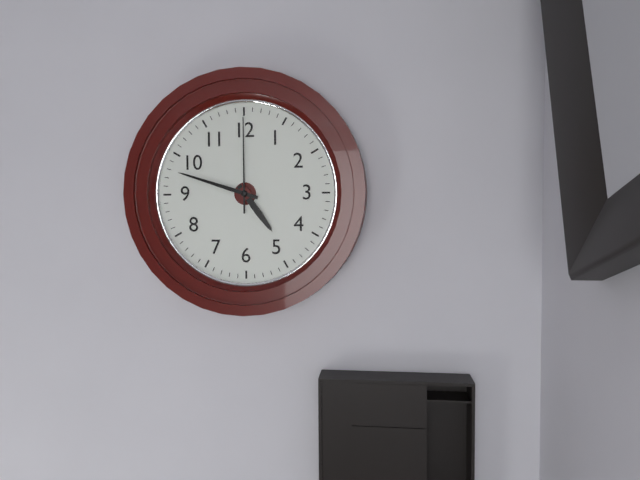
4.48.00
